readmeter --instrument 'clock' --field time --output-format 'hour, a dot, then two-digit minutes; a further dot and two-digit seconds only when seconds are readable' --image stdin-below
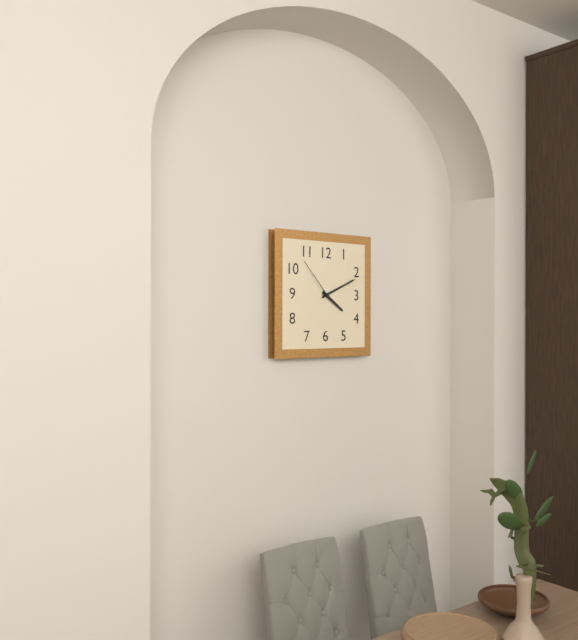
4.11.53
